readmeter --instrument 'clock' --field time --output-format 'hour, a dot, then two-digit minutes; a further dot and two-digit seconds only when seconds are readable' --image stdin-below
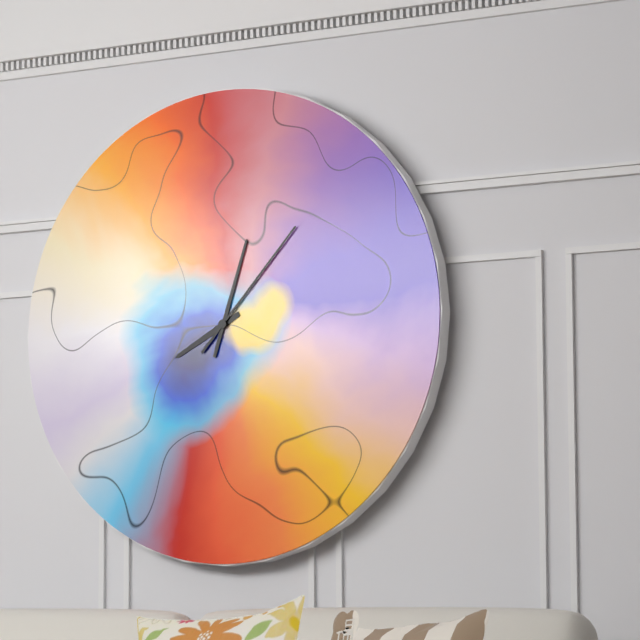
8.03.07
